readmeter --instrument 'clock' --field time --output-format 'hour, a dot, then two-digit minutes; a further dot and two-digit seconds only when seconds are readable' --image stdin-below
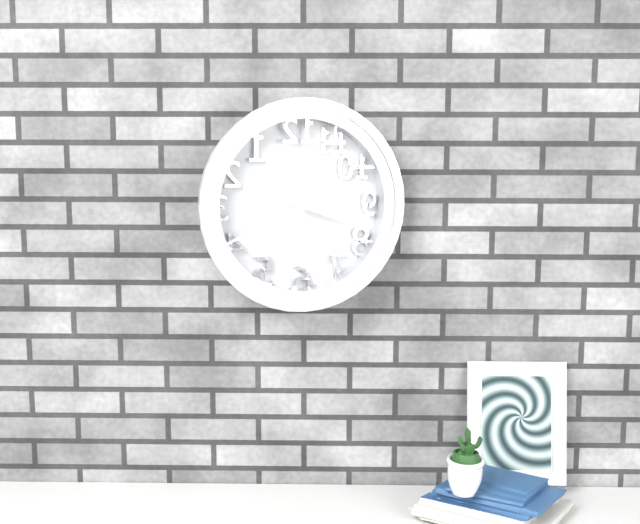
3.41
